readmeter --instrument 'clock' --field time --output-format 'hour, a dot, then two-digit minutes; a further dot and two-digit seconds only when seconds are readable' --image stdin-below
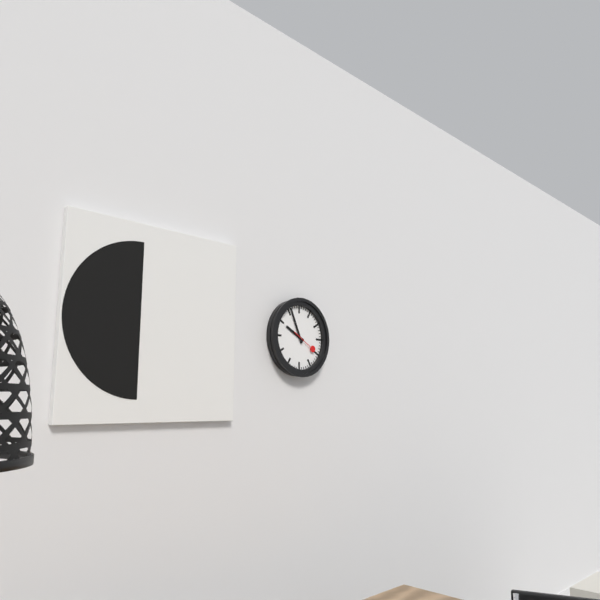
9.56
